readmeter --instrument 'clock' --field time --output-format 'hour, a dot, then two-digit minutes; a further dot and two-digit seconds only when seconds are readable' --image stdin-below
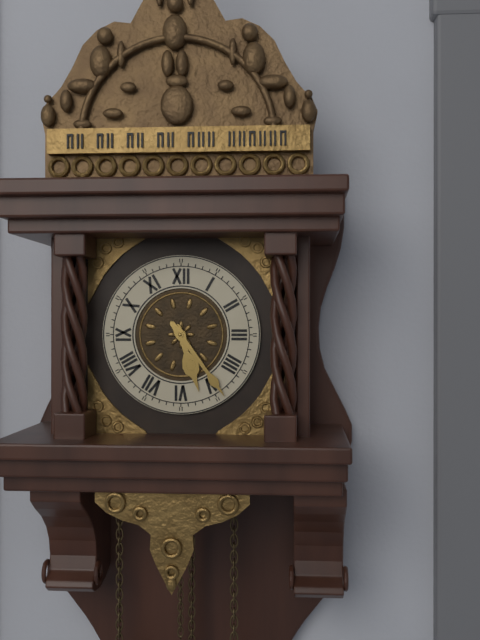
5.24
